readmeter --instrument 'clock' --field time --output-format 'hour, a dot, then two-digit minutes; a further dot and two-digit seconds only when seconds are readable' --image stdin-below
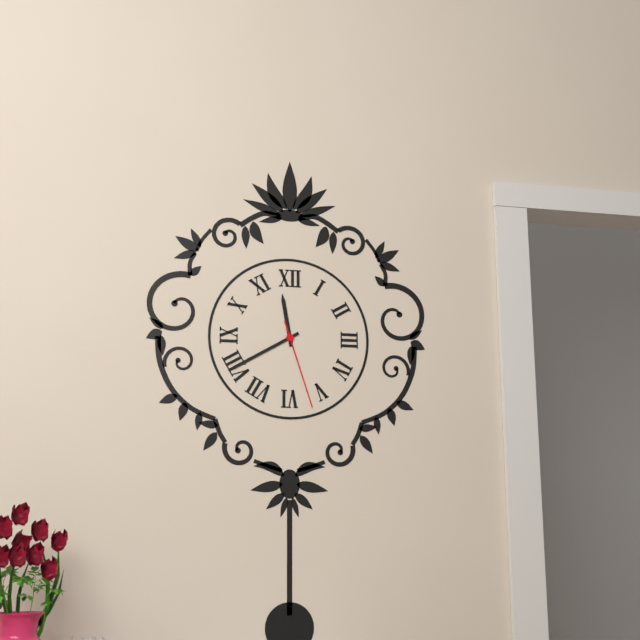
11.40.27
